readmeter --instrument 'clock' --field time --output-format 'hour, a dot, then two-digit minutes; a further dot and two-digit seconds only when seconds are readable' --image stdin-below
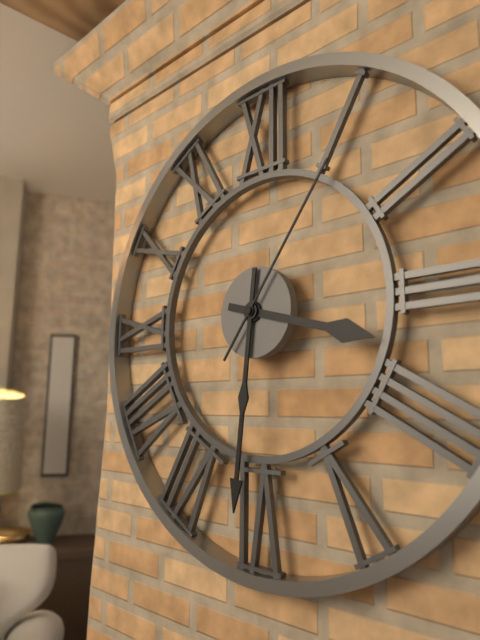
3.31.06
